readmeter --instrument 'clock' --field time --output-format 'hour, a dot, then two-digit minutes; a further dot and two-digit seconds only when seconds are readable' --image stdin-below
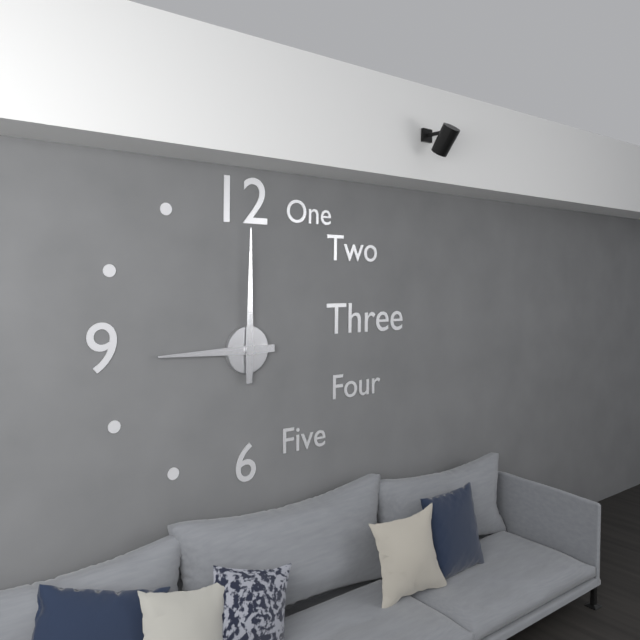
9.00
